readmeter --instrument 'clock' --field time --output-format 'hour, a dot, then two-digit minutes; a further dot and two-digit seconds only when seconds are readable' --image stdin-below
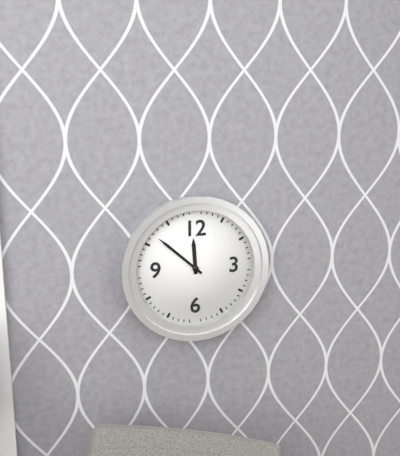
11.52
